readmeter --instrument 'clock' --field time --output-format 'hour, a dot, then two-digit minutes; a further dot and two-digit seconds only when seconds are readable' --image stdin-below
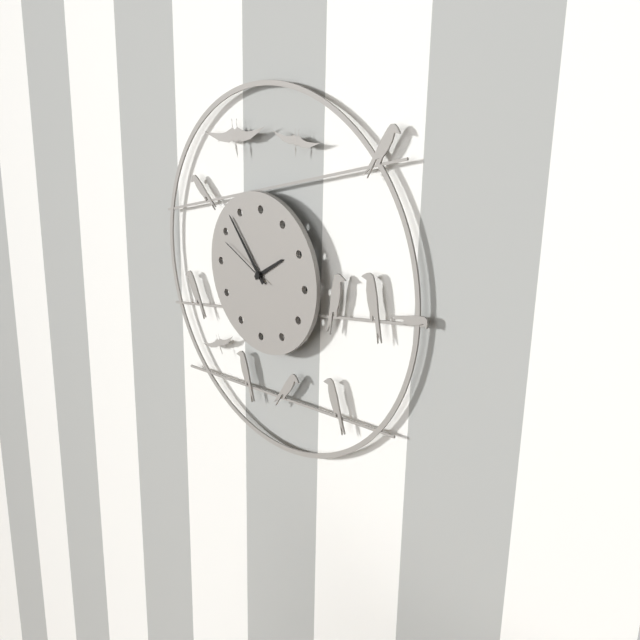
1.53.49
